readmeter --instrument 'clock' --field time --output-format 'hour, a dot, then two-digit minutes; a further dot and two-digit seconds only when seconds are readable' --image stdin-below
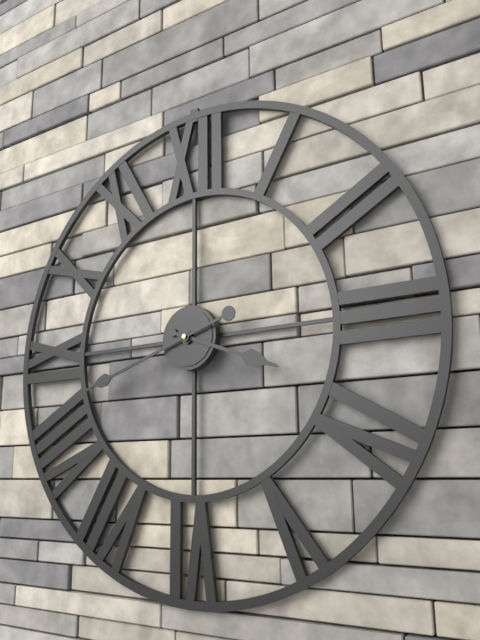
3.42
